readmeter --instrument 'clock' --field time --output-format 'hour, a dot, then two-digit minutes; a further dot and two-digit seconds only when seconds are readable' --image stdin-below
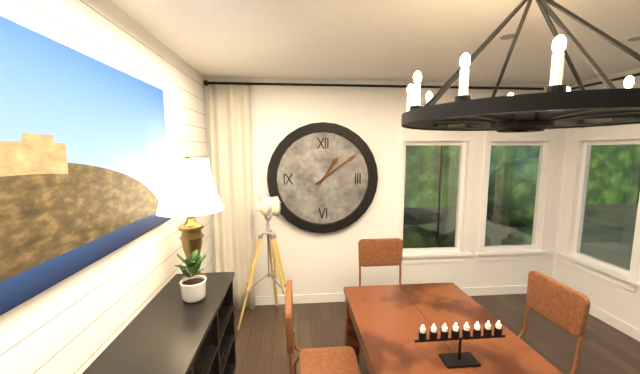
1.09
